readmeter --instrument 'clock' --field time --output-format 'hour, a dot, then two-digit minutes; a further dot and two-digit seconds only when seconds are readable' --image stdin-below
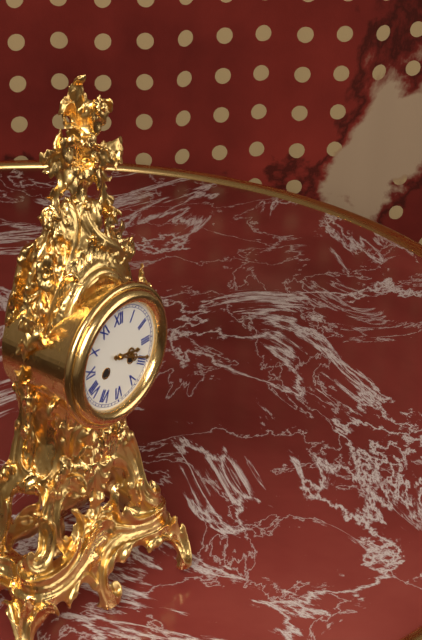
3.19
